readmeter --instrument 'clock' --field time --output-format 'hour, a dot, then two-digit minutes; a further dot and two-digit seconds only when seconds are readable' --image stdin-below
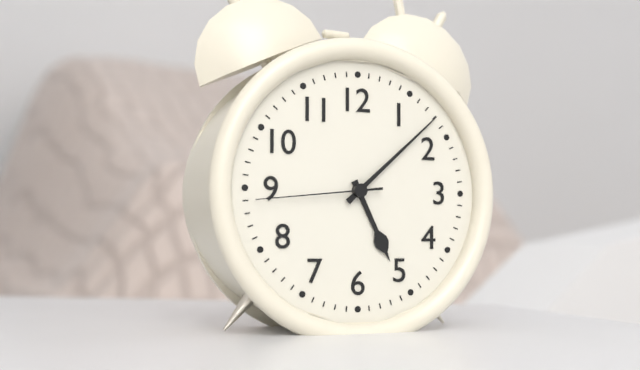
5.08.44
